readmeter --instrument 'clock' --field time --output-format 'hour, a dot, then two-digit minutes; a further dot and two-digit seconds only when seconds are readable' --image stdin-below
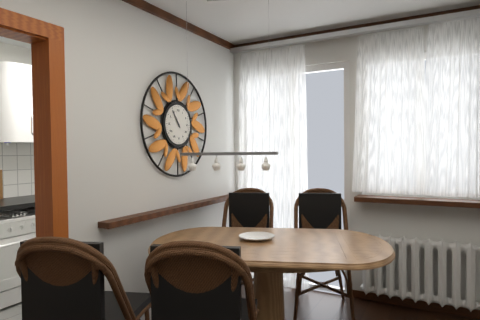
10.54
